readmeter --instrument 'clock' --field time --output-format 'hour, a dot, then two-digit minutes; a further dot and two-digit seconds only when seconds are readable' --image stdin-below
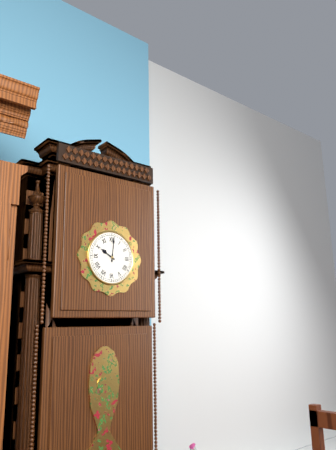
10.01
